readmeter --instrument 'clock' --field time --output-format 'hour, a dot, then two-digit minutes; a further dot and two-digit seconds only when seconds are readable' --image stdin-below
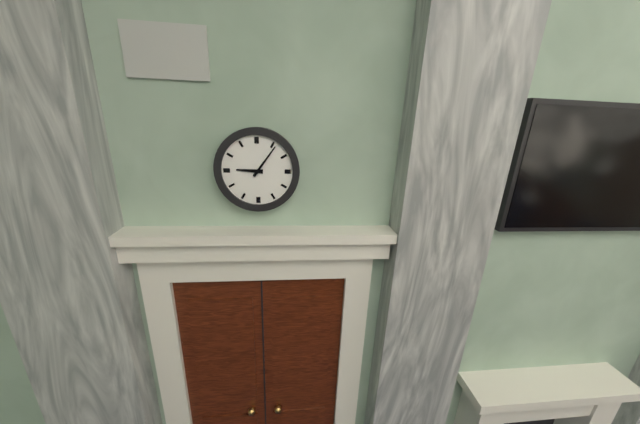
9.06
